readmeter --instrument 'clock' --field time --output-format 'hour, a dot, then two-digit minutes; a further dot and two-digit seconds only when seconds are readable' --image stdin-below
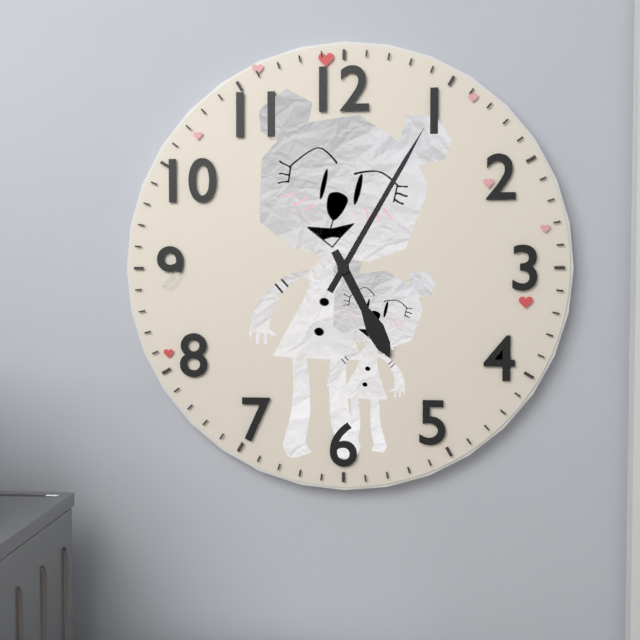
5.05
